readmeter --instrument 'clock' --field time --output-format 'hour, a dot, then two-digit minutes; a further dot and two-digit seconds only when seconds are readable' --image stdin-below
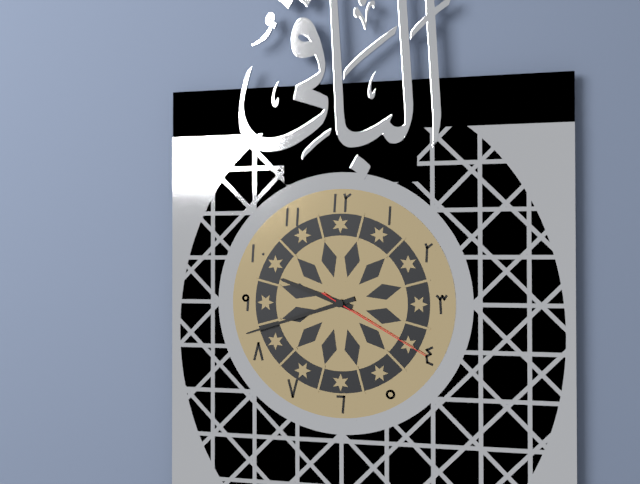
9.42.20
